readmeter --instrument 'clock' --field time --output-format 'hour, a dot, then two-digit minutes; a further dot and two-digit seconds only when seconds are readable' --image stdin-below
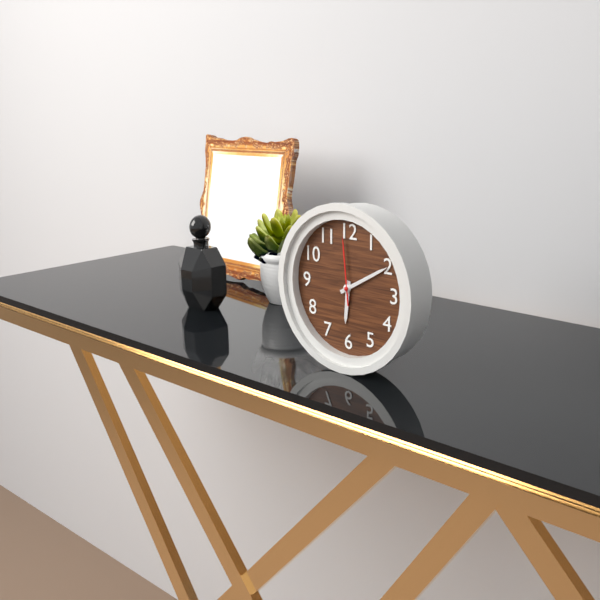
6.10.59
